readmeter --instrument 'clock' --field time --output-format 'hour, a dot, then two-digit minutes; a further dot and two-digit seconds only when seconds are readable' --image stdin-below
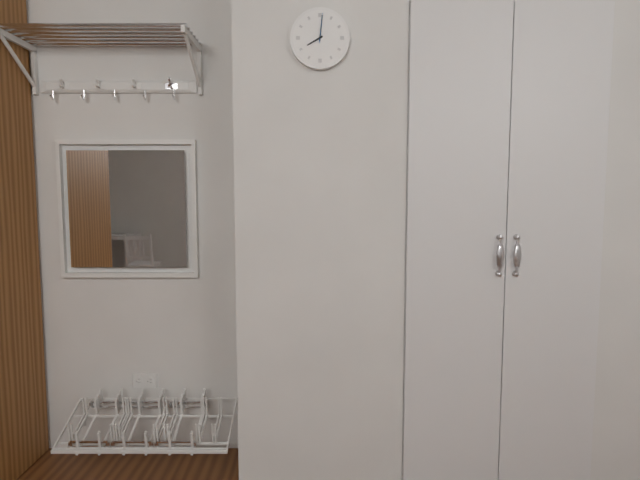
8.01
